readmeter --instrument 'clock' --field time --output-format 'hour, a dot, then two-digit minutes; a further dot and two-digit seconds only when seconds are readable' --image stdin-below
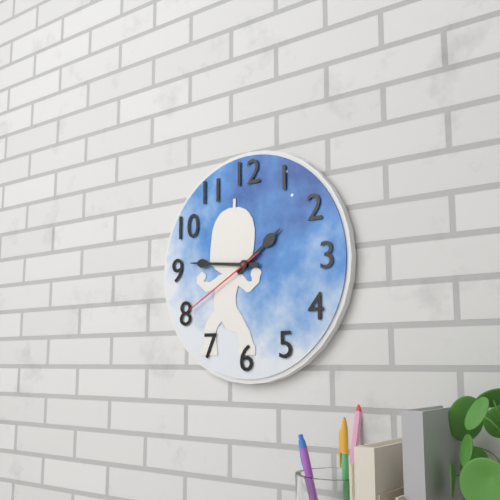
1.46.40
